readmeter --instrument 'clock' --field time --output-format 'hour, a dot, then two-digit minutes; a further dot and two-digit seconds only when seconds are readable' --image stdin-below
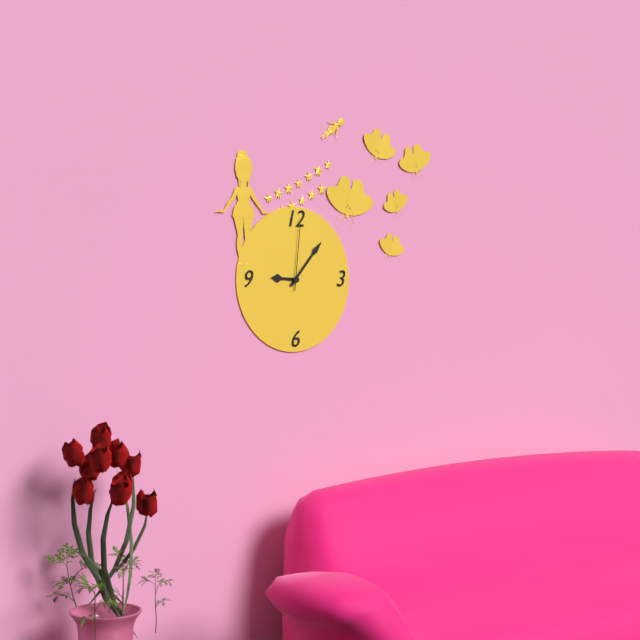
9.07.01
